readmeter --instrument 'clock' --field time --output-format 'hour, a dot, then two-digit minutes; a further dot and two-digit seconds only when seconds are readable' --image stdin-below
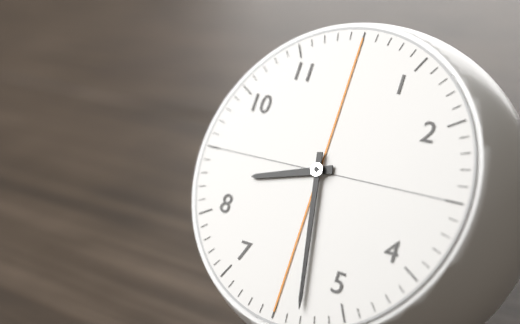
8.28
